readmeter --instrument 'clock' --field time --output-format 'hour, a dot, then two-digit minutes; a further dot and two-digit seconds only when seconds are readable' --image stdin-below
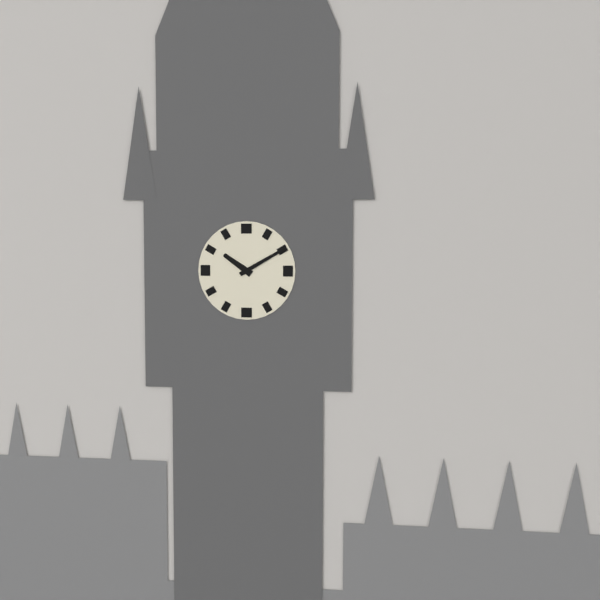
10.10
